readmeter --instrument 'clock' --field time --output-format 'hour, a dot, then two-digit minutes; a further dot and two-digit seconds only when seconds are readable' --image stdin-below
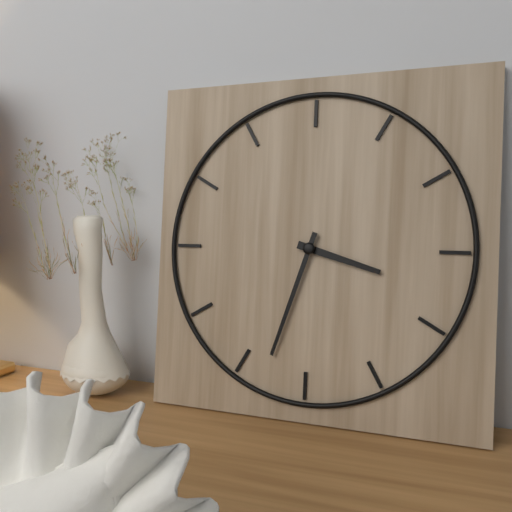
3.33
